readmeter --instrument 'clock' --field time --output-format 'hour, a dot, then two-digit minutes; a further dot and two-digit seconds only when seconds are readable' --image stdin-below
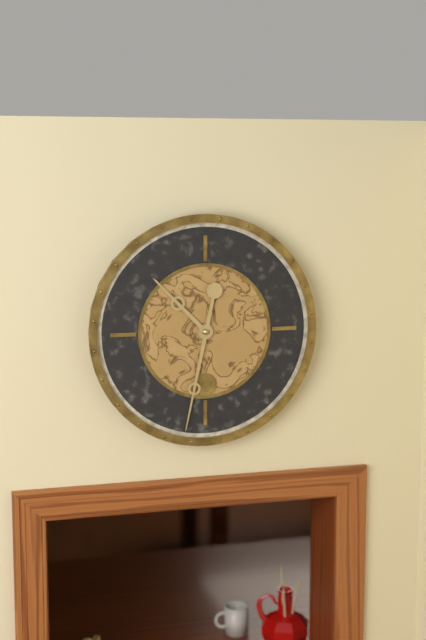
10.32
